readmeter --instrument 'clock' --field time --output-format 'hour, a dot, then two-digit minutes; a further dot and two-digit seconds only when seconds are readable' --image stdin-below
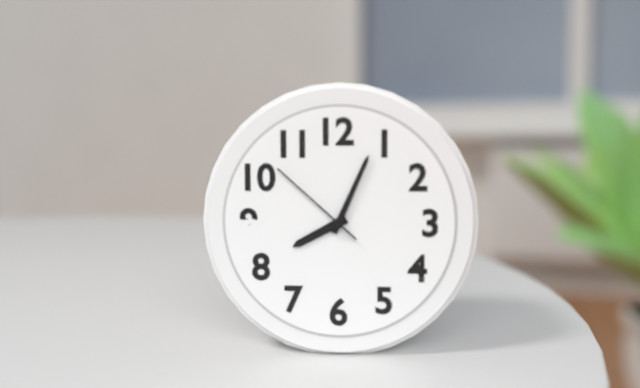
8.04.52
